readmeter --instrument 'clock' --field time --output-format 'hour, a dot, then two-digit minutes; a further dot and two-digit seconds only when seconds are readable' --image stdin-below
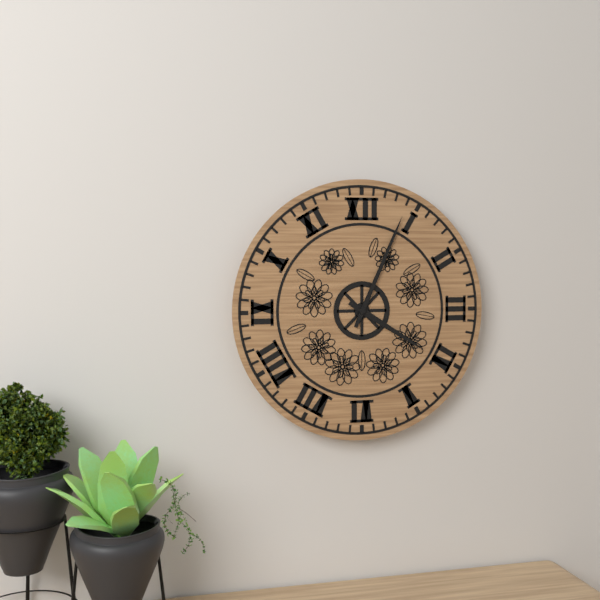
4.04
